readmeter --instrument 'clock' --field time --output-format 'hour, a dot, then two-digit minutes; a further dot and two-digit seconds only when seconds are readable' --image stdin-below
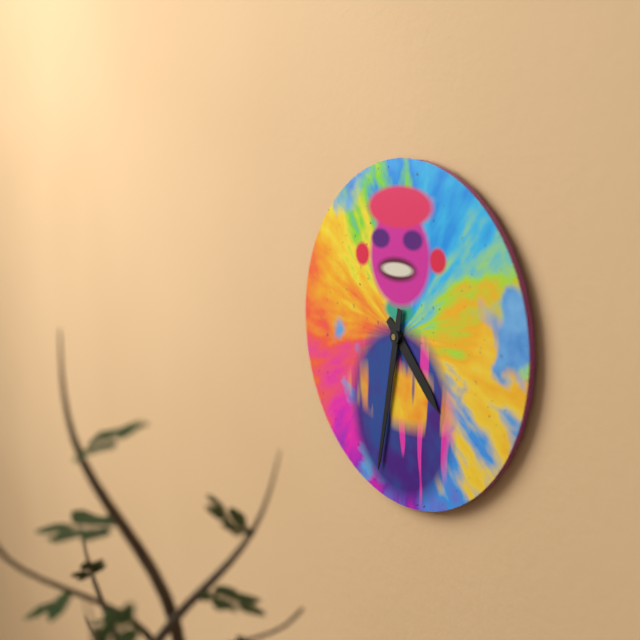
4.32
